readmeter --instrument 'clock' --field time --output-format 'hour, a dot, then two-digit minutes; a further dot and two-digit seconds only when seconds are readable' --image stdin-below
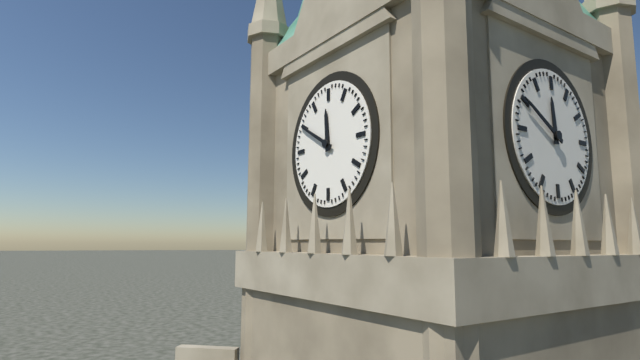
11.50
